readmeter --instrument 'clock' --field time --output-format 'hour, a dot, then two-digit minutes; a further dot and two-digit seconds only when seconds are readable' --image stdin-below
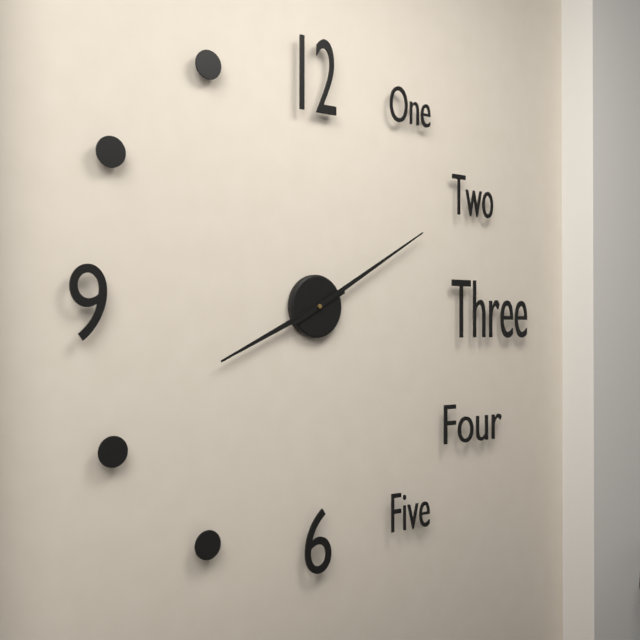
8.10
